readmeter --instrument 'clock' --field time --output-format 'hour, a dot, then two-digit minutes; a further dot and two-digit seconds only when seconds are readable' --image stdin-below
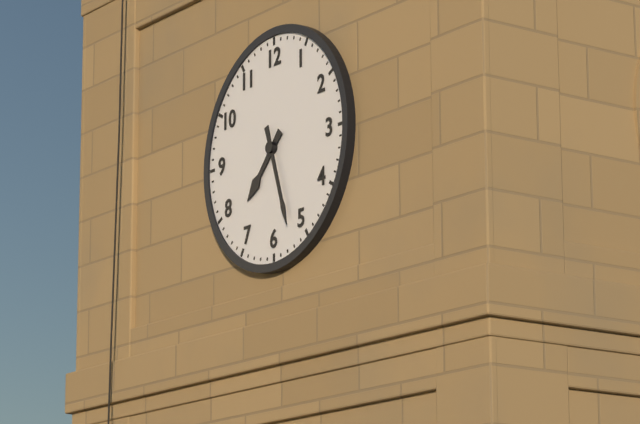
7.27
